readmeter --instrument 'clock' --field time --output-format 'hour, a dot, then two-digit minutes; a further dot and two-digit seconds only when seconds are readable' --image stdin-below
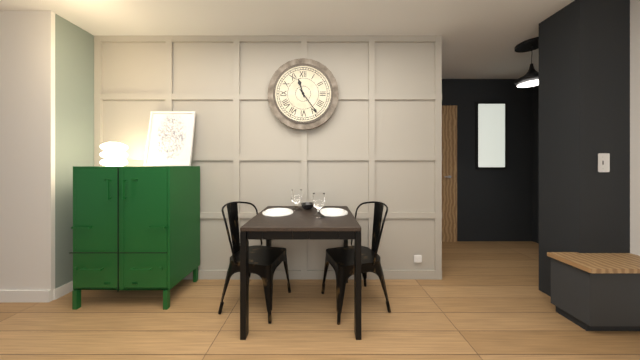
11.24
